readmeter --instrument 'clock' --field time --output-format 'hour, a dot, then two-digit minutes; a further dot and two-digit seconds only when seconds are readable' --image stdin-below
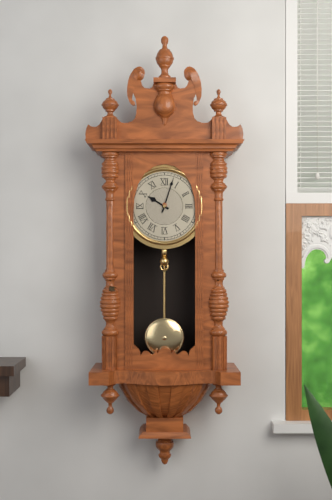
10.03
